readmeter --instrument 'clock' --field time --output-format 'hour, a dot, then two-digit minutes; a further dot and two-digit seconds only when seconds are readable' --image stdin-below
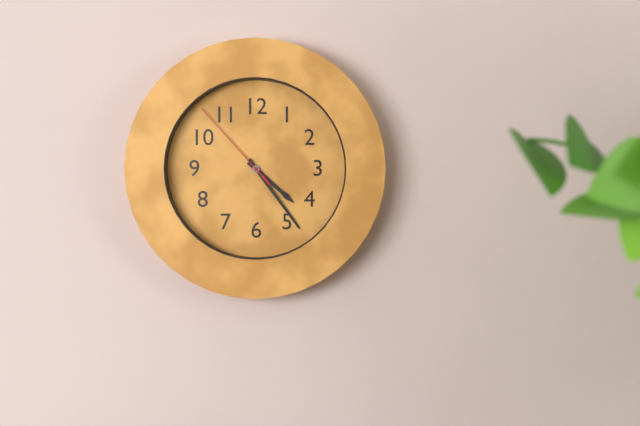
4.24.53
